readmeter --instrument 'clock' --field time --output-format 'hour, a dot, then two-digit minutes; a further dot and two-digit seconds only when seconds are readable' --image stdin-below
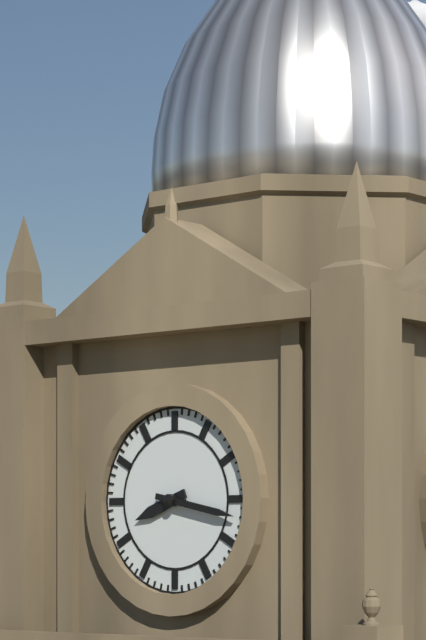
8.17
